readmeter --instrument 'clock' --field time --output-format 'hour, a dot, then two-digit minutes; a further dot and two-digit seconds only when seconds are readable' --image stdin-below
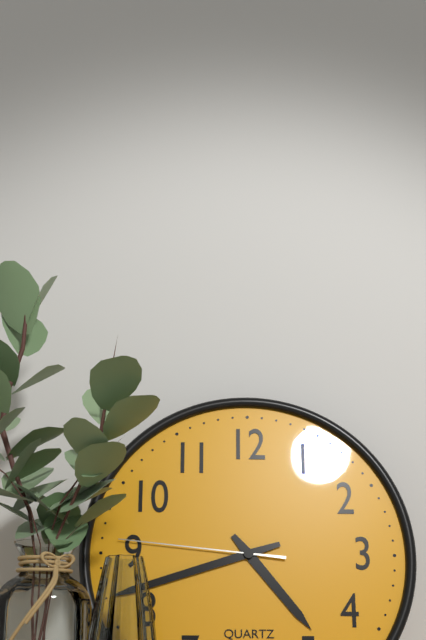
4.42.46
